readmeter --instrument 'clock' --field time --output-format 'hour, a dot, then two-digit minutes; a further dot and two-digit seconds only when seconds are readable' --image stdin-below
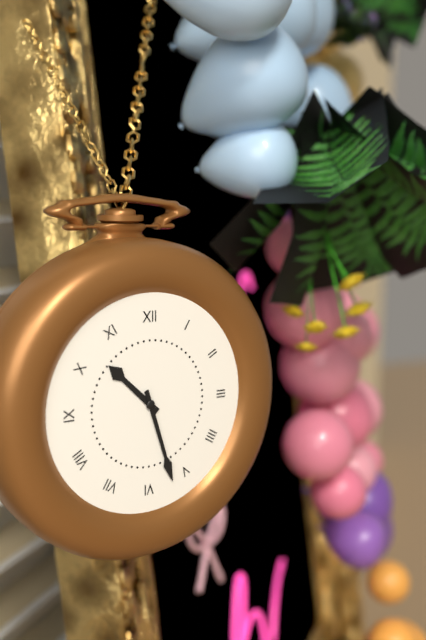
10.27
